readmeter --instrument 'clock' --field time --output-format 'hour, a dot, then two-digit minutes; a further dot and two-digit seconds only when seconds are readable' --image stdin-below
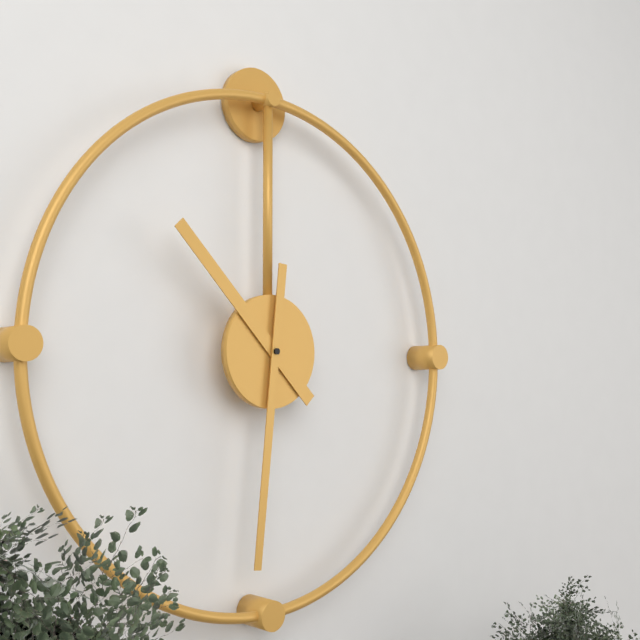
10.31
